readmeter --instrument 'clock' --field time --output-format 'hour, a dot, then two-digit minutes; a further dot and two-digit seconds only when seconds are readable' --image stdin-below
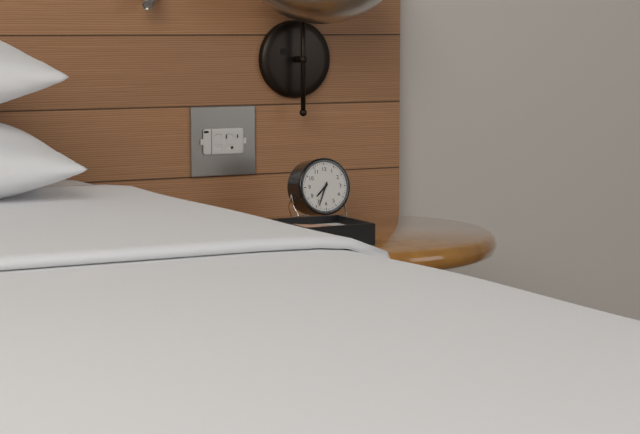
7.34
